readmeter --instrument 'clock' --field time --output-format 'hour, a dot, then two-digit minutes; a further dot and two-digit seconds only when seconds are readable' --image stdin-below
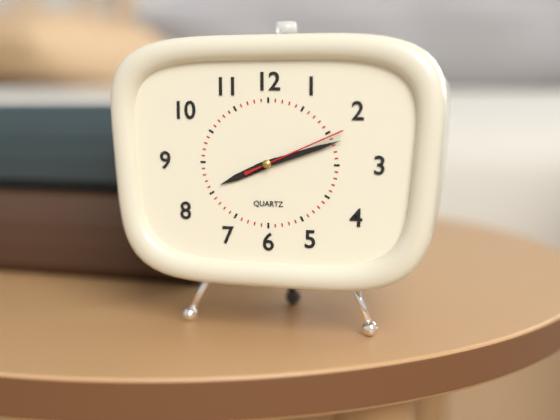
8.12.11
